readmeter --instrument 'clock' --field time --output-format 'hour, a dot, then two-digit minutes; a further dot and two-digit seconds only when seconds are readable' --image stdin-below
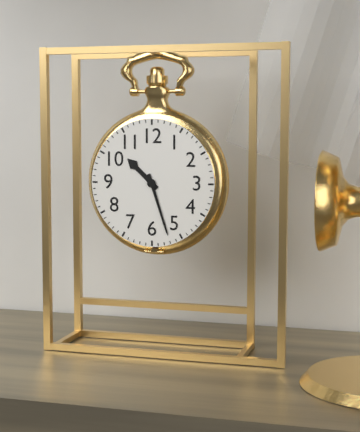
10.27
